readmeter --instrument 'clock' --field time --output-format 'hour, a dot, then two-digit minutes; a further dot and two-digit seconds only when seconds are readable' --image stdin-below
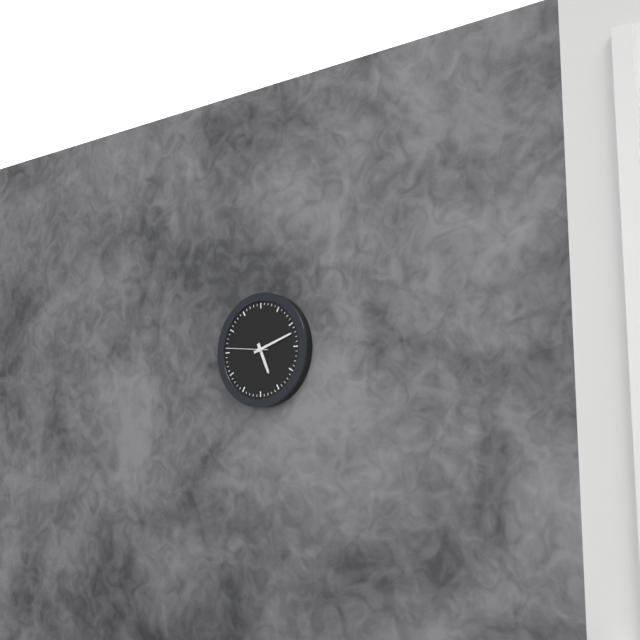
5.12.46
